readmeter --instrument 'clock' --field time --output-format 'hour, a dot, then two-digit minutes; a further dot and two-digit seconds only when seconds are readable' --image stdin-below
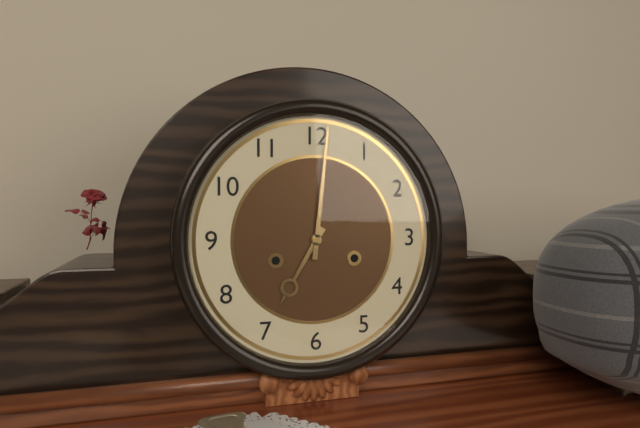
7.01
